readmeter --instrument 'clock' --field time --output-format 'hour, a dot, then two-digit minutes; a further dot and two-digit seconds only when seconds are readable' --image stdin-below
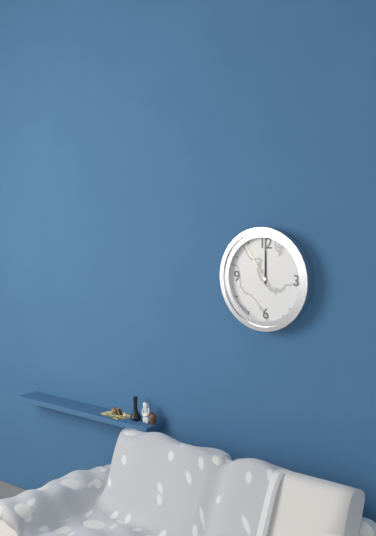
12.00.54
